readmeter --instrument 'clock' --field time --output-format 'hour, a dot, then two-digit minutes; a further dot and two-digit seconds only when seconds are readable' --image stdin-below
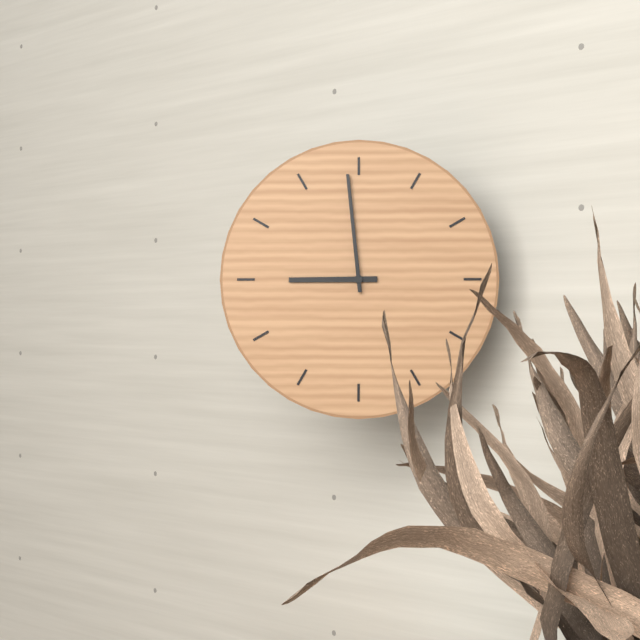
8.59
